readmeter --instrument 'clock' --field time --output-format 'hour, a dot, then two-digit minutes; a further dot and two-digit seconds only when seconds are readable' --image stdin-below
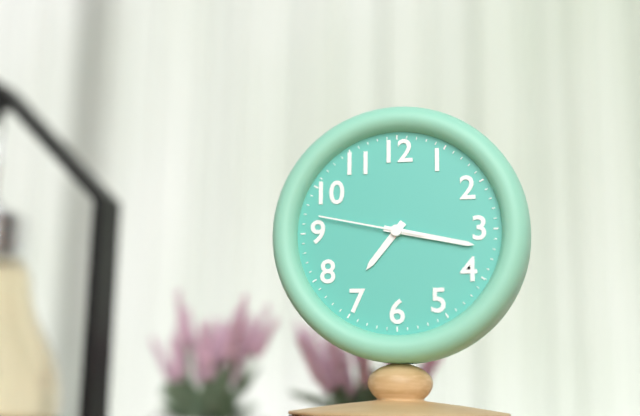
7.17.47
